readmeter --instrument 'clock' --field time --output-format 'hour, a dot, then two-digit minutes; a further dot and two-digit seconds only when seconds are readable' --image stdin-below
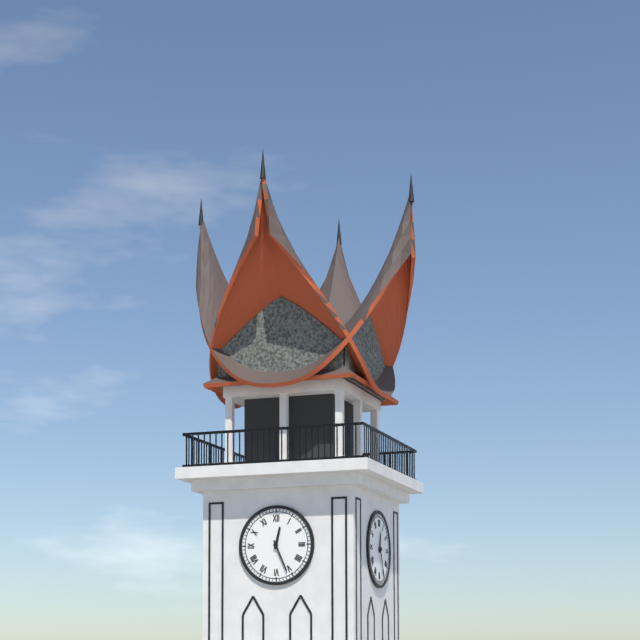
12.26
